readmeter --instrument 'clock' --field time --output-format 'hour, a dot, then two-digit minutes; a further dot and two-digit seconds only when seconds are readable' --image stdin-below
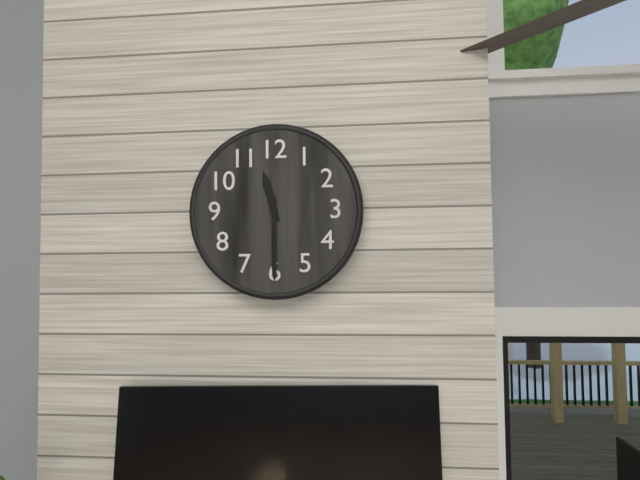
11.30
